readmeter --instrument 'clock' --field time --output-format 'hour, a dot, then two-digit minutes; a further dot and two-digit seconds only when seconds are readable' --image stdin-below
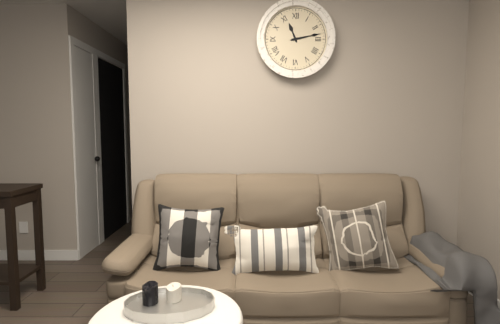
11.13
